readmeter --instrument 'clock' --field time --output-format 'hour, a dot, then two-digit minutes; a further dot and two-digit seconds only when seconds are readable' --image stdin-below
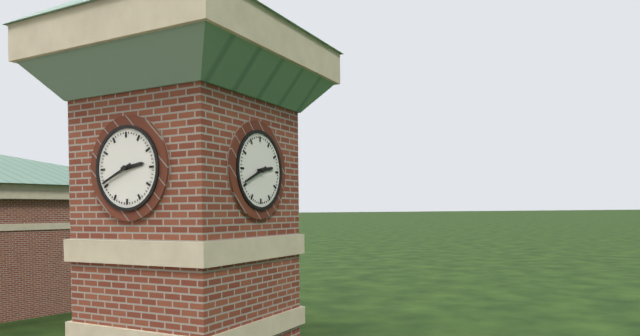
2.41
